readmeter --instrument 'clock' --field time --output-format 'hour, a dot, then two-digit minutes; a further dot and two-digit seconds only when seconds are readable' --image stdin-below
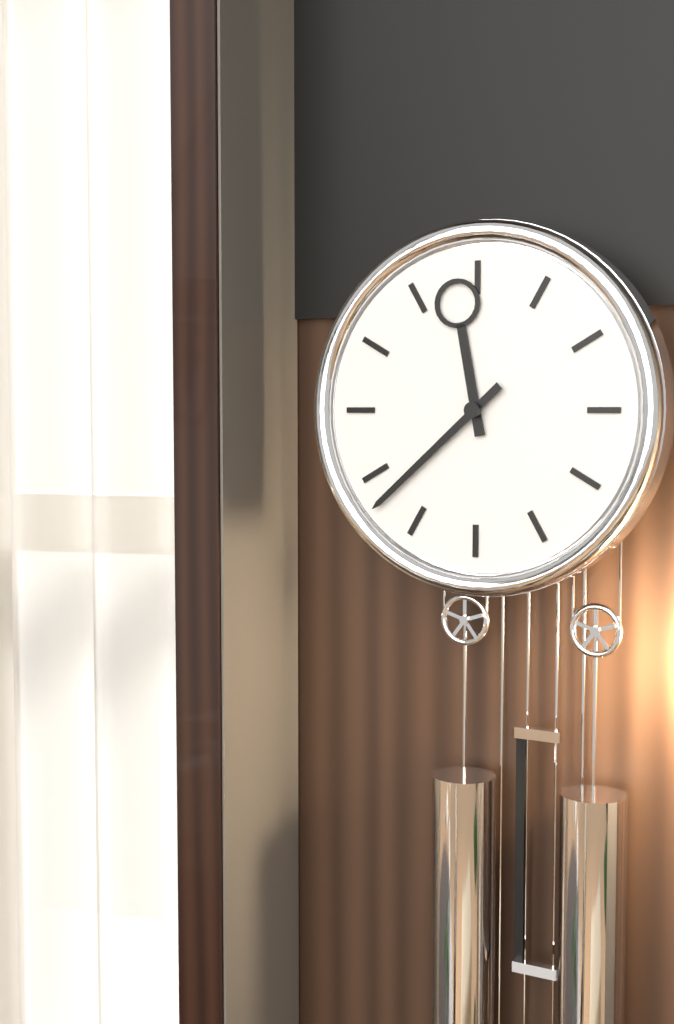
11.38
